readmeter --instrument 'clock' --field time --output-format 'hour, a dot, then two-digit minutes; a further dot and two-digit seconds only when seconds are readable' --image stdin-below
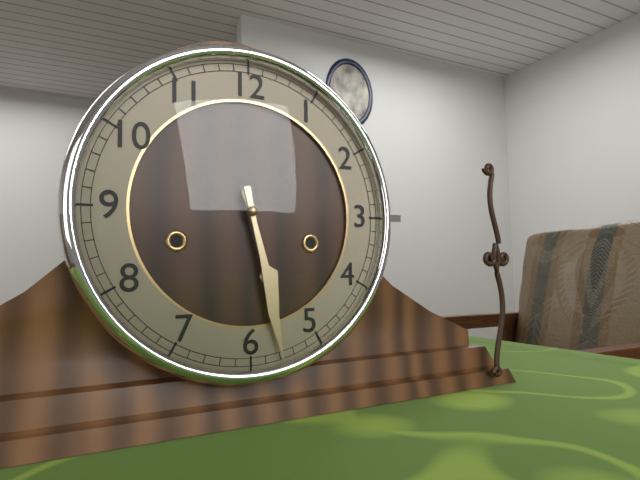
5.28
